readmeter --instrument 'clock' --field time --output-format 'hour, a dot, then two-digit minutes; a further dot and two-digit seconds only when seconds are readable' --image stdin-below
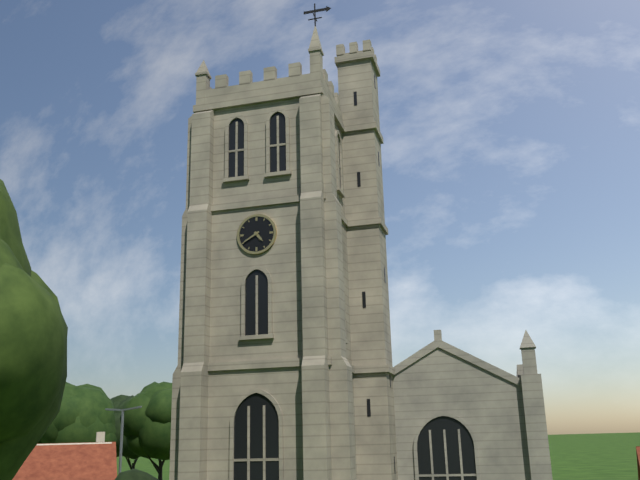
4.40
